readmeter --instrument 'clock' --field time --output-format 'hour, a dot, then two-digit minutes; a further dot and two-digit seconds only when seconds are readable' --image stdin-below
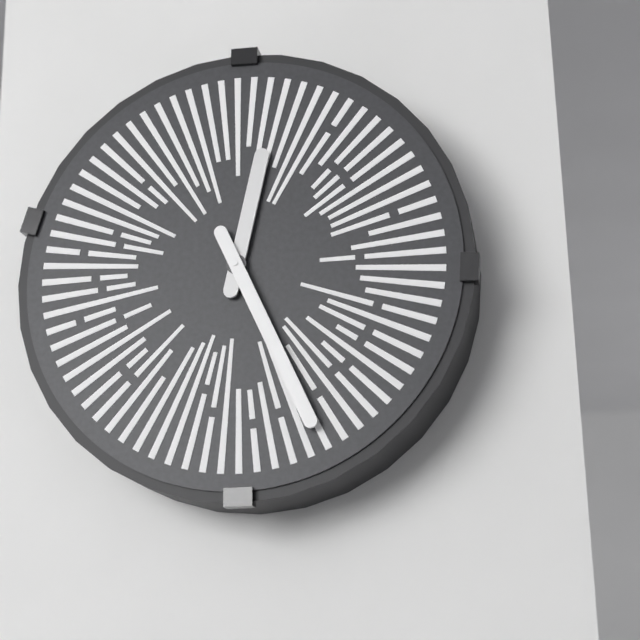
12.26
